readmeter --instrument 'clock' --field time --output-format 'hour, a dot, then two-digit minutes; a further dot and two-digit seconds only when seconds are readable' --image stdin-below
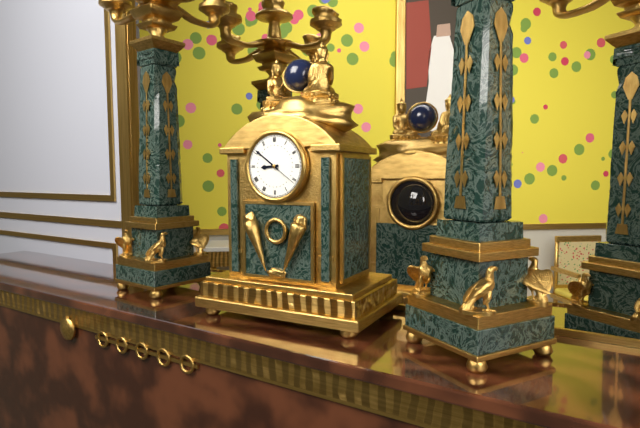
8.51
